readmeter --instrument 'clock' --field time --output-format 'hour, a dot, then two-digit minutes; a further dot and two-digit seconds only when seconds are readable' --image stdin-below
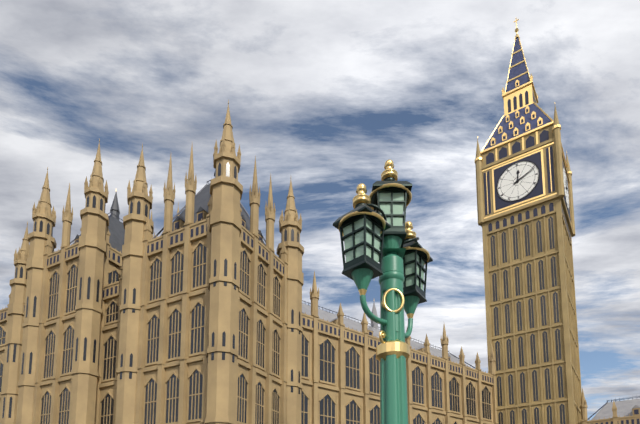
12.11
